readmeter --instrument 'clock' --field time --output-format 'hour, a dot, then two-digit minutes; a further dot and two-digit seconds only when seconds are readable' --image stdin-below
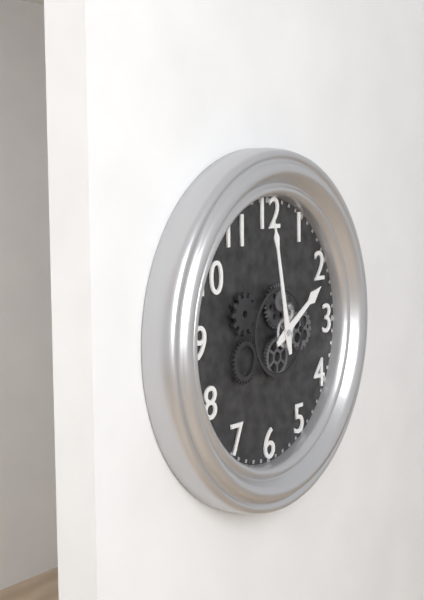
1.58
